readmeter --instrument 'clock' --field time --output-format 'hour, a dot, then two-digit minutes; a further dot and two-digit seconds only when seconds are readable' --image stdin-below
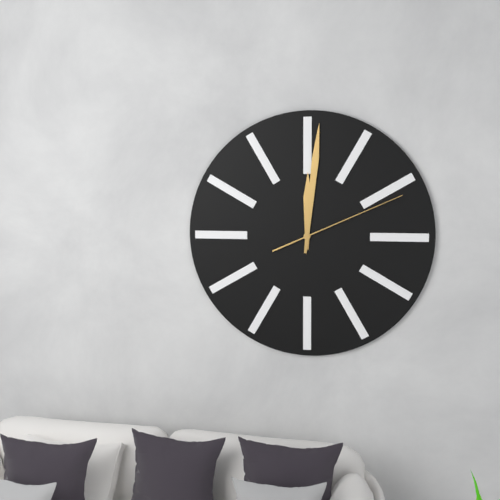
12.01.11
